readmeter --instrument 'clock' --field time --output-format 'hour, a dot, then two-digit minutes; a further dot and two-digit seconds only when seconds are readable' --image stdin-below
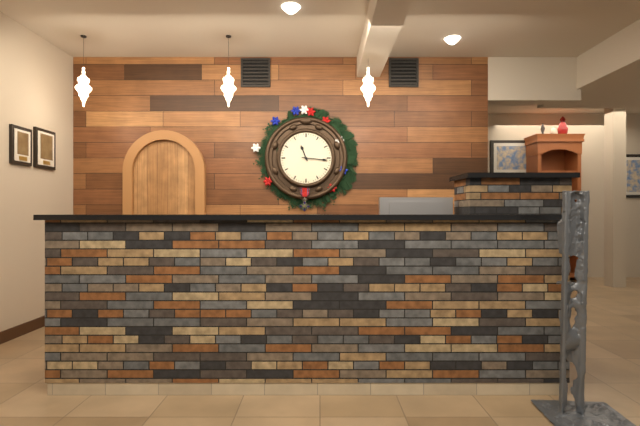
11.16
